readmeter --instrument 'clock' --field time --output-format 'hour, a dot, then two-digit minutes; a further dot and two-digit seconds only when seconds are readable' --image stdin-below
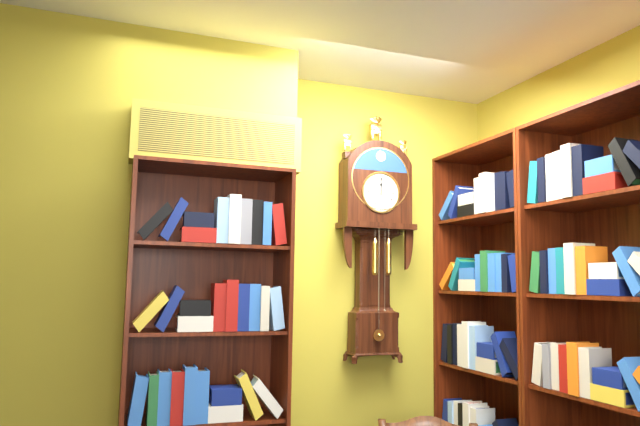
12.00
